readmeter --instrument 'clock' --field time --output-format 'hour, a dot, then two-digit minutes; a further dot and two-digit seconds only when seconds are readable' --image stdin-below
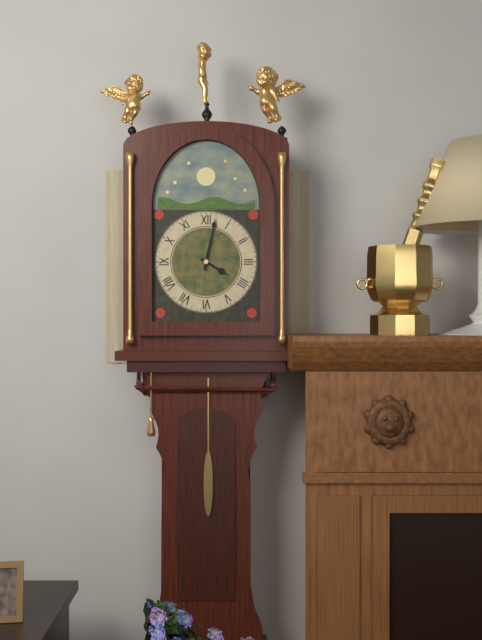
4.02
